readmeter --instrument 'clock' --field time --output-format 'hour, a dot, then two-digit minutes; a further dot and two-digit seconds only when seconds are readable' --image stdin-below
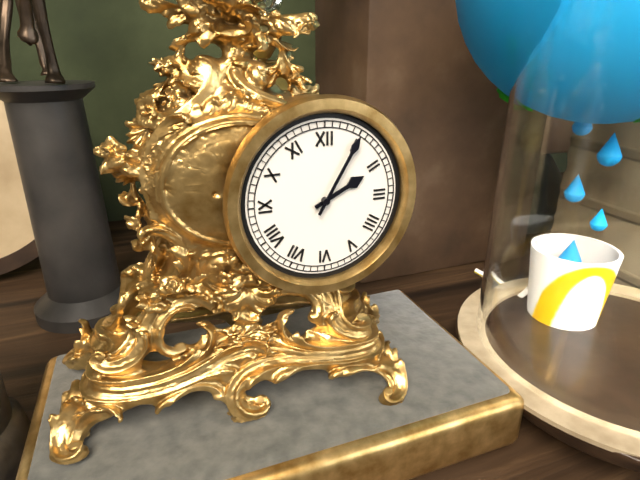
2.05
